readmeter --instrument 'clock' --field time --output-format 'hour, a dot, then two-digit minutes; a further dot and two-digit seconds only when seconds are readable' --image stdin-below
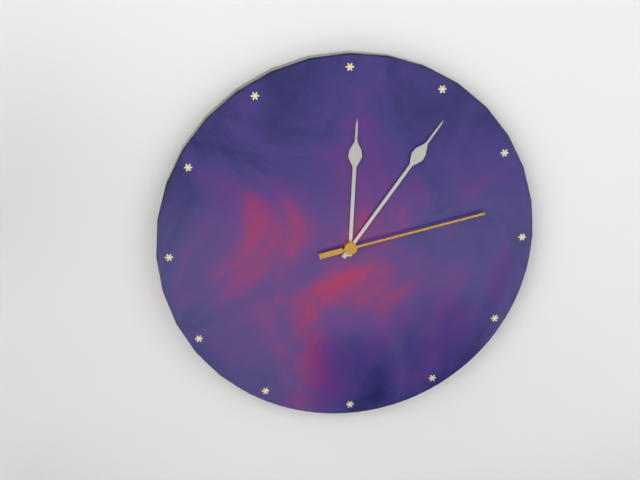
12.06.13
